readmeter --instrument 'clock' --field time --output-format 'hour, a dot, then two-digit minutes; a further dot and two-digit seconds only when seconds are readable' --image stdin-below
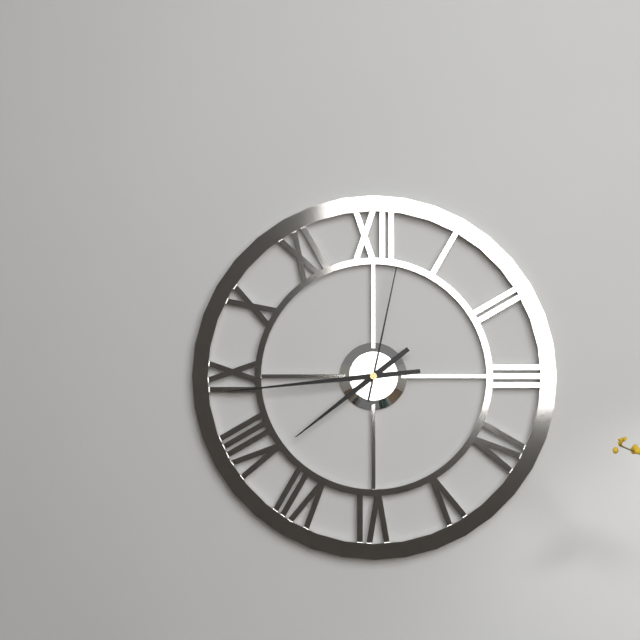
7.44.02
